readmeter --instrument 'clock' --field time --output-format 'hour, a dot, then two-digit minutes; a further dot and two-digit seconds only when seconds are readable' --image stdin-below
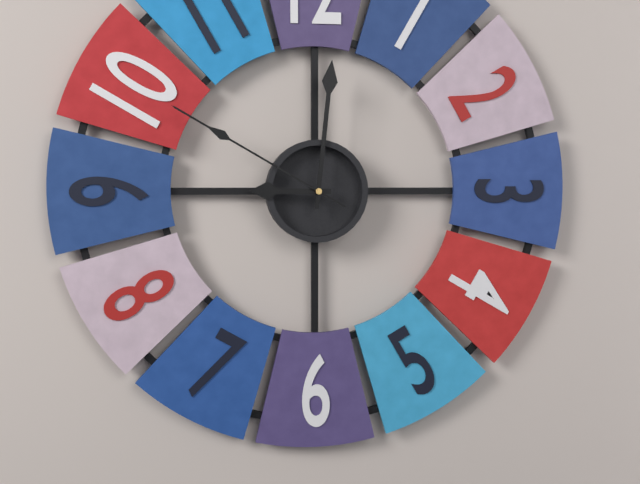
9.01.50
